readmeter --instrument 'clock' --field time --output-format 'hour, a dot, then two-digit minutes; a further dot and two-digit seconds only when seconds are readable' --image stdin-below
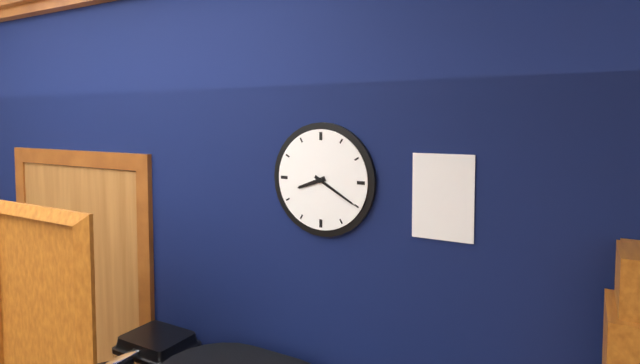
8.20
